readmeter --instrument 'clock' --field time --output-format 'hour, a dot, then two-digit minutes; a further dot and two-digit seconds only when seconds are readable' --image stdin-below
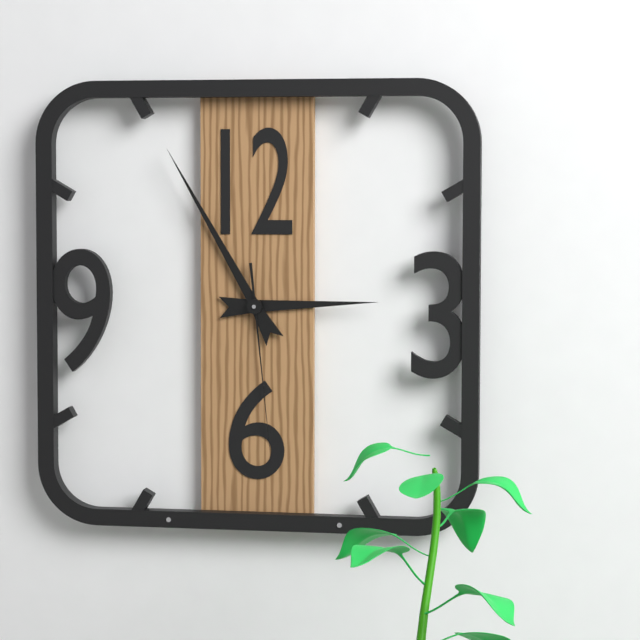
2.55.29
